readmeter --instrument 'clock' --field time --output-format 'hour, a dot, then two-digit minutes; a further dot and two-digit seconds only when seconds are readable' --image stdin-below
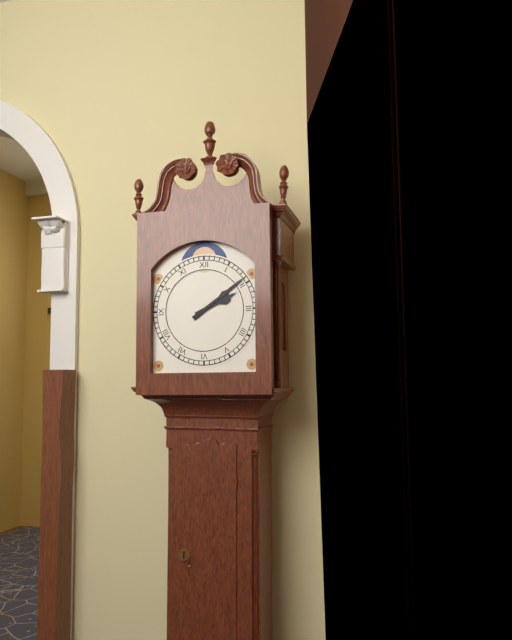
2.09
